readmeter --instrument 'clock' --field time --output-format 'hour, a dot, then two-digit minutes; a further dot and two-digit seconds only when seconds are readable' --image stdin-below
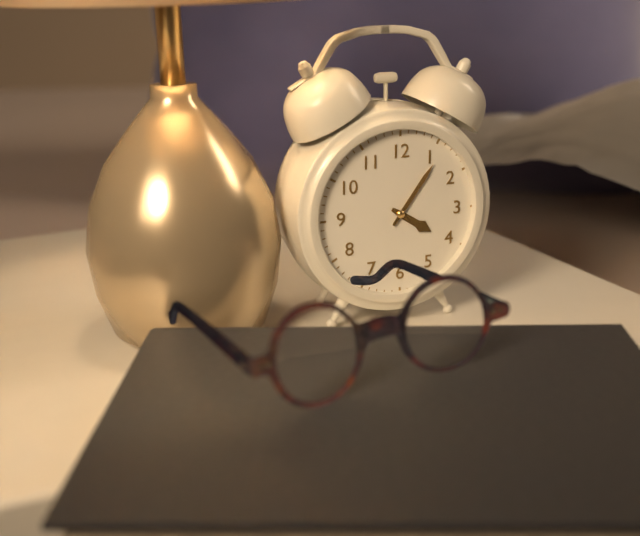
4.06
